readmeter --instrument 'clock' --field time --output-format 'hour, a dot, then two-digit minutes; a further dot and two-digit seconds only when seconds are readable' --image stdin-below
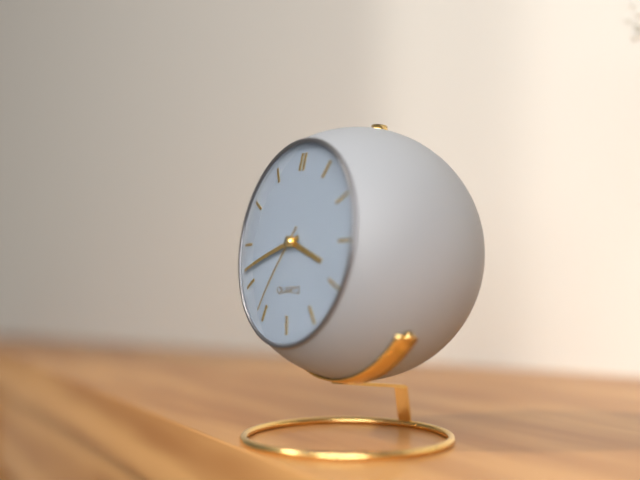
3.42.36
